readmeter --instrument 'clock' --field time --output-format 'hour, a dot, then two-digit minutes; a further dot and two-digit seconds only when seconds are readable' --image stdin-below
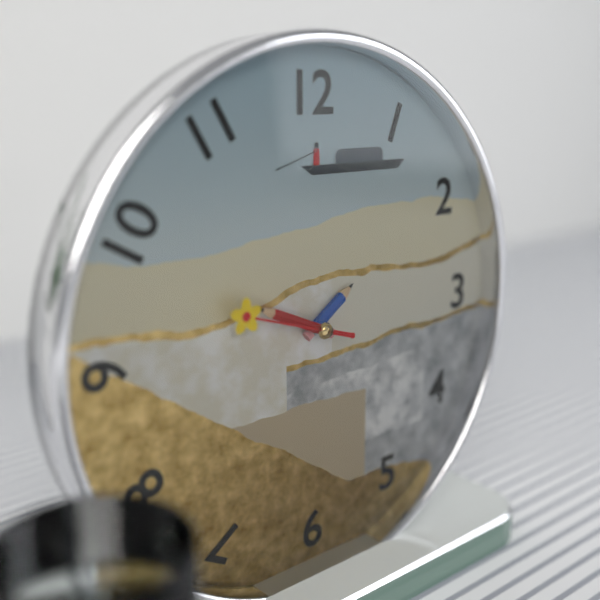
1.49.48
